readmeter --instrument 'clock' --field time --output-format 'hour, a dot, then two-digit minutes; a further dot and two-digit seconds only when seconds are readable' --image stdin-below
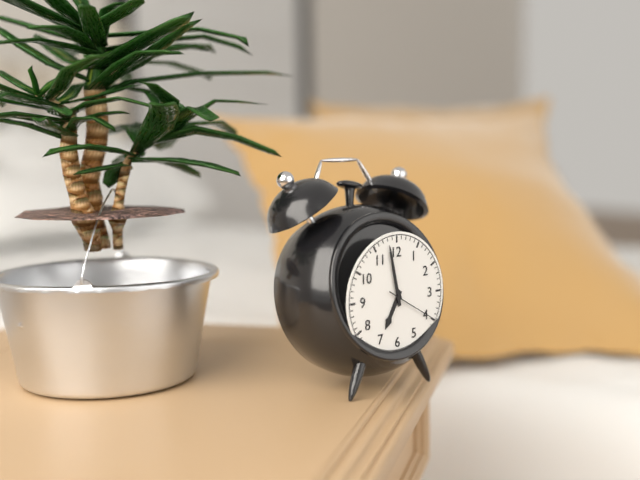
6.58.20
